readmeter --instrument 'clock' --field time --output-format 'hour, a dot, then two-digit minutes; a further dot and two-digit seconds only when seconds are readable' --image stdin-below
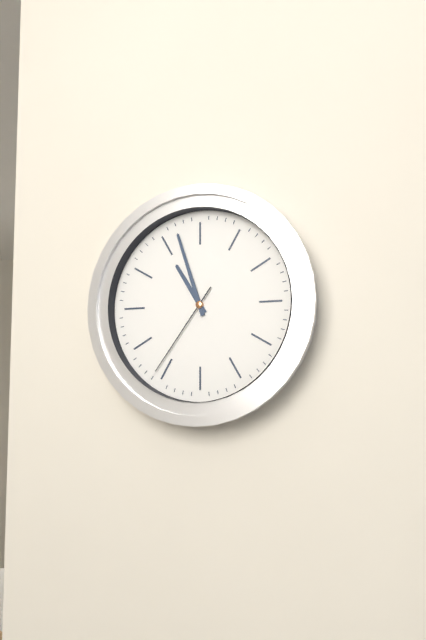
10.57.36
